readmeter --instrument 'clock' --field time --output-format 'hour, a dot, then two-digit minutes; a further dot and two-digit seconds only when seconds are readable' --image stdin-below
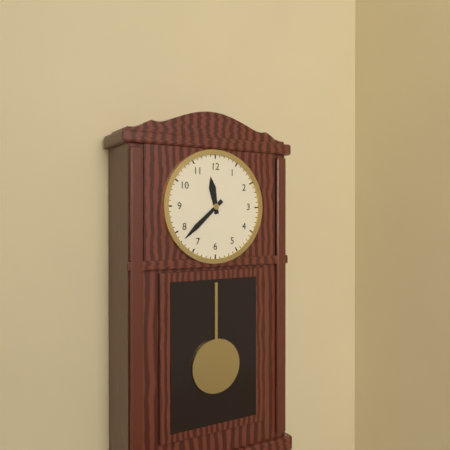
11.38
